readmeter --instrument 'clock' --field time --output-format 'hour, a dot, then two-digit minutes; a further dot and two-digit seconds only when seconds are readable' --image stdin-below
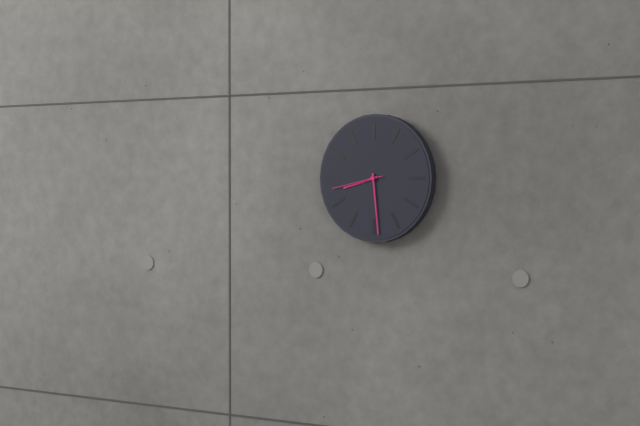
8.29.43
